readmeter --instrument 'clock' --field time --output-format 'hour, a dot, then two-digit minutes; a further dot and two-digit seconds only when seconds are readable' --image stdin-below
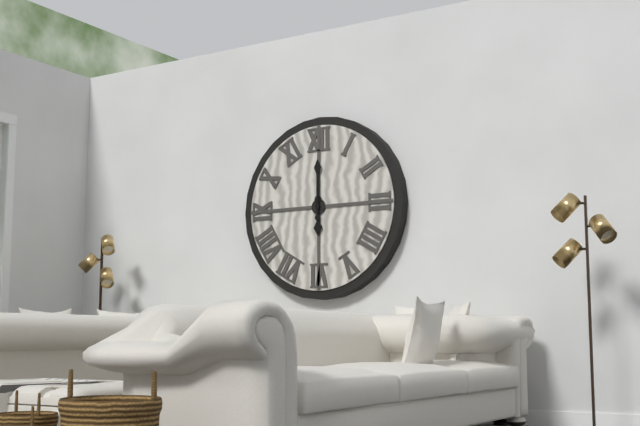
6.00
